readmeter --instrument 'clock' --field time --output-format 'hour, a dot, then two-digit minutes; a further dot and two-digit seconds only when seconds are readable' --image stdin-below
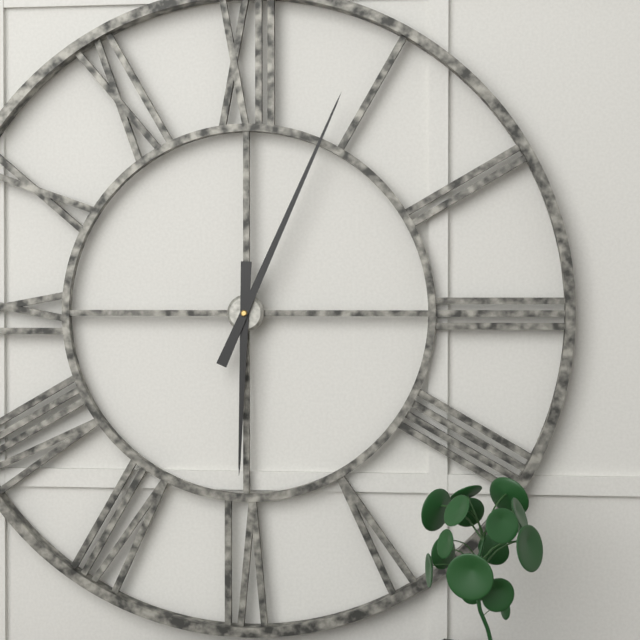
6.04
